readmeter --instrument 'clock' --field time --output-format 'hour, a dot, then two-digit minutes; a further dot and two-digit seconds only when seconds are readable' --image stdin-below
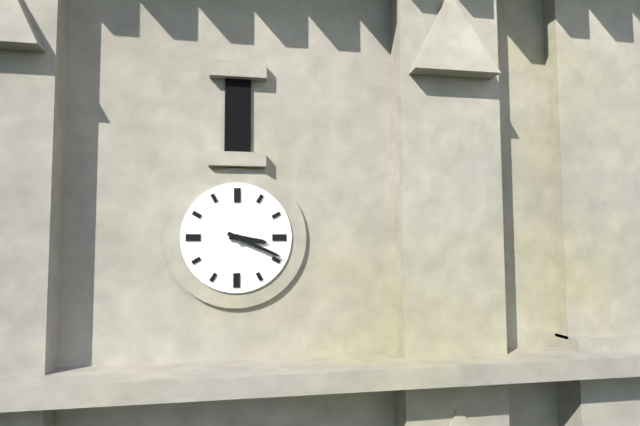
3.19
